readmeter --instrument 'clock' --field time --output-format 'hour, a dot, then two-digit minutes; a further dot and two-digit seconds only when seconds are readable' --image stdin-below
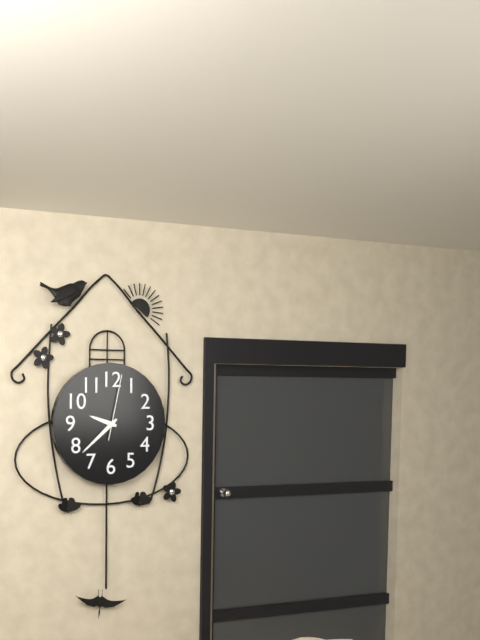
9.38.02
